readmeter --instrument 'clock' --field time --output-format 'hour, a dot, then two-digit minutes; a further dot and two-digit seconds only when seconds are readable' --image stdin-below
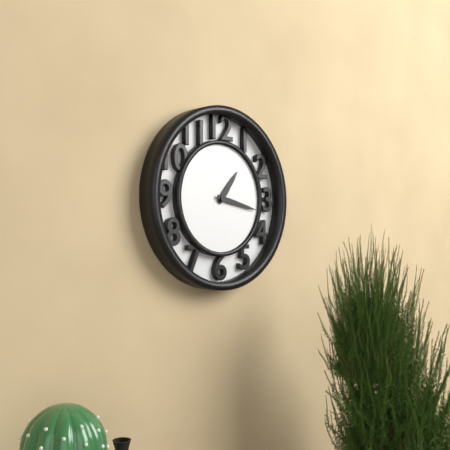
1.17
